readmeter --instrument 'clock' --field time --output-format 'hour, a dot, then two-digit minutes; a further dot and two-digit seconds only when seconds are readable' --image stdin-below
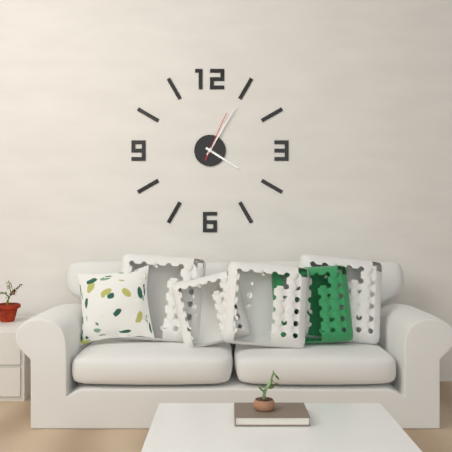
4.05.04
